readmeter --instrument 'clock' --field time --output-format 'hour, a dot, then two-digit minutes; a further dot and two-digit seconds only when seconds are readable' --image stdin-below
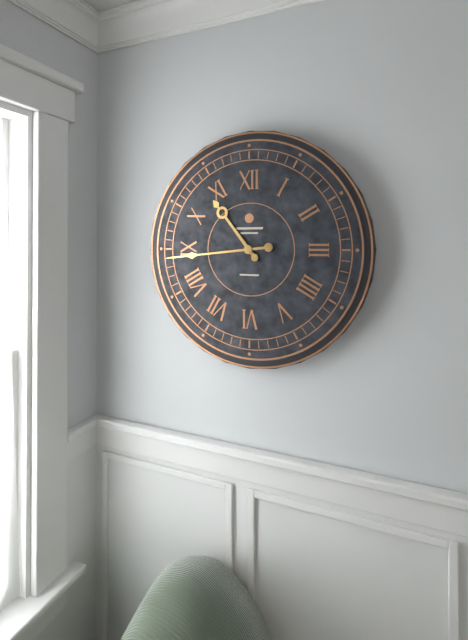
10.44
